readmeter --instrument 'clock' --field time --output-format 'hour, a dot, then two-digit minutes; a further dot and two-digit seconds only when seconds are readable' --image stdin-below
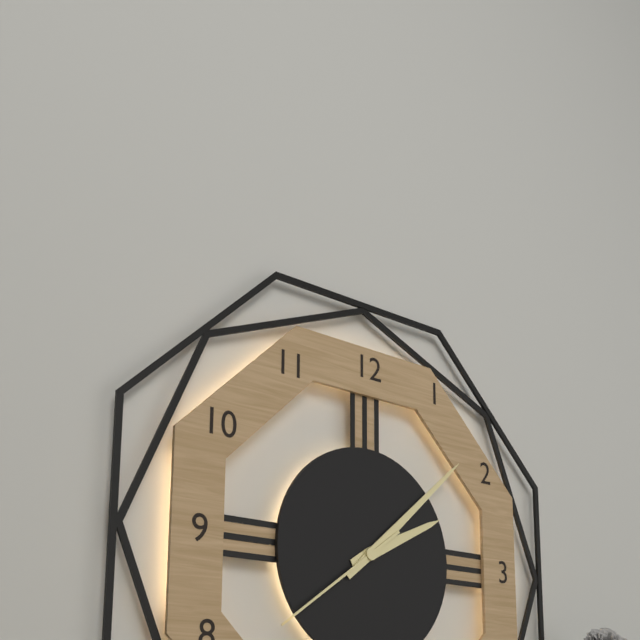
2.08.39
